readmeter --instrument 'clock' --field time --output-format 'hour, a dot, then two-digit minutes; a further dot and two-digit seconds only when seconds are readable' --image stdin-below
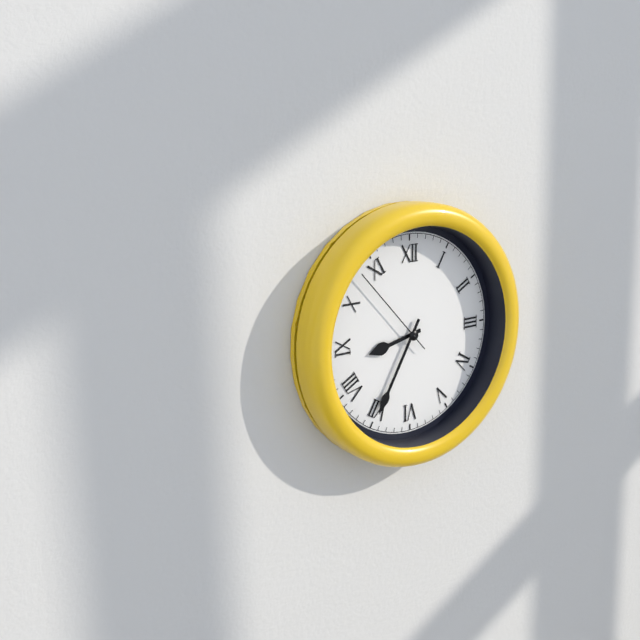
8.35.53
